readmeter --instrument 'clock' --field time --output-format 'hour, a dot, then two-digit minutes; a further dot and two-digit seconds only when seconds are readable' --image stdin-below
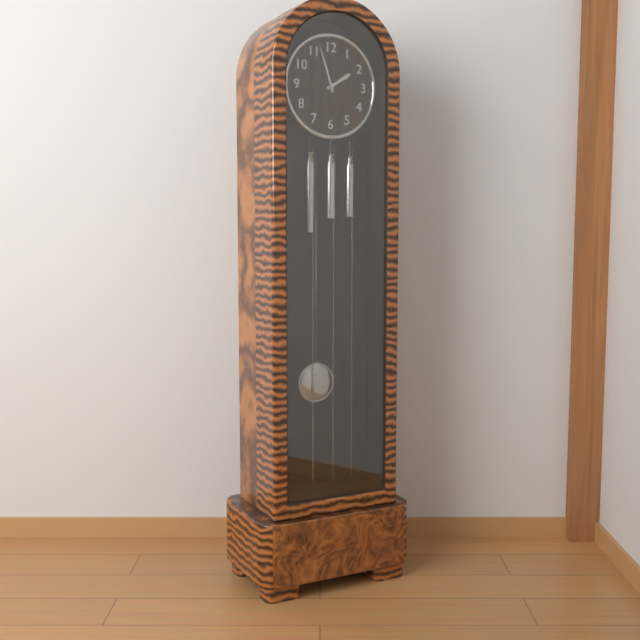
1.57
